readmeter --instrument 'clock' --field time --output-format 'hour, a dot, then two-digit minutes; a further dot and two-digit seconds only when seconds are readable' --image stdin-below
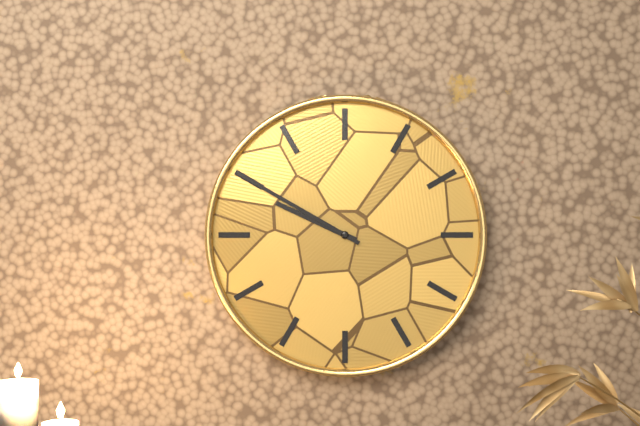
9.50
